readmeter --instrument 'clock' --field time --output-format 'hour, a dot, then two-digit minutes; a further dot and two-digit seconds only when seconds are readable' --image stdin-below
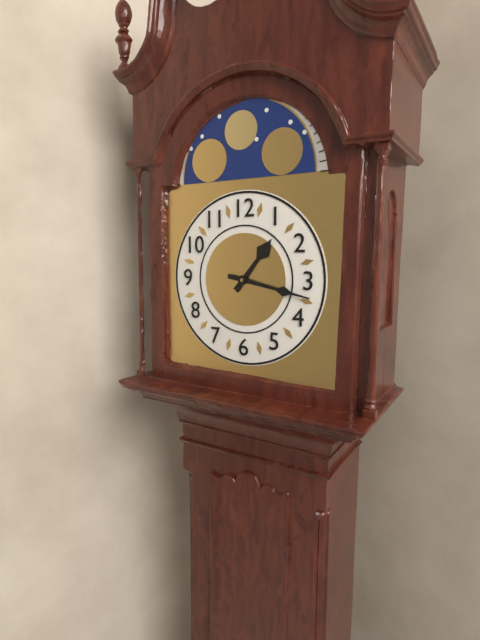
1.17
